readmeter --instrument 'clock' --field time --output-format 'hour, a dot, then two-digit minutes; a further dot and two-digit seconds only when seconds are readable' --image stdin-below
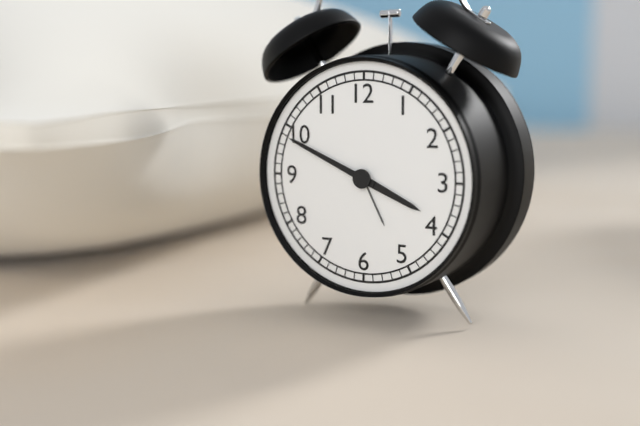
3.49
